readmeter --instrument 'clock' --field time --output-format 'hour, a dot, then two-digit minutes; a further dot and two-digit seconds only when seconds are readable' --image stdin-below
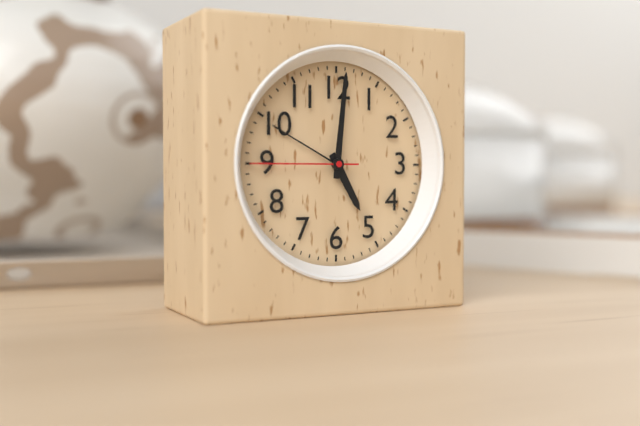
5.01.45
